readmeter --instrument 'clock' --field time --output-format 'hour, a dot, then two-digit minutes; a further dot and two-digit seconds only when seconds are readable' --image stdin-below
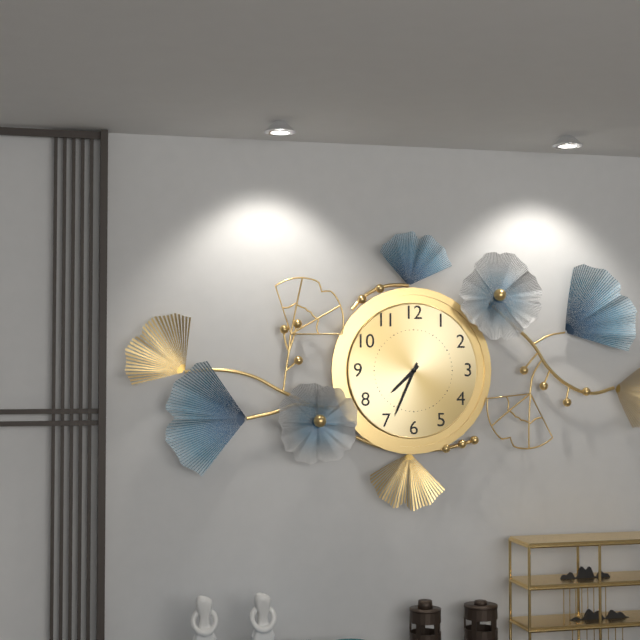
7.34
